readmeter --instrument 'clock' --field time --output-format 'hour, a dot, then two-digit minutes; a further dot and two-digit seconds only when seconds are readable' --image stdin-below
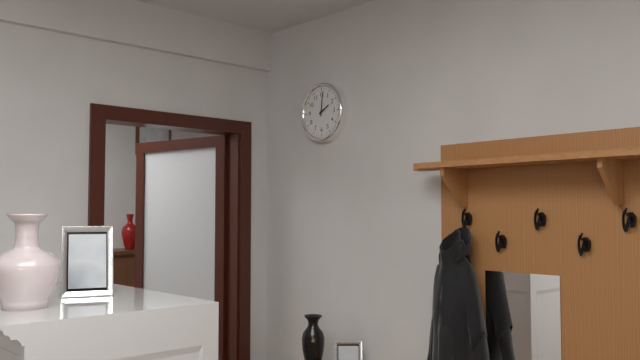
2.01
